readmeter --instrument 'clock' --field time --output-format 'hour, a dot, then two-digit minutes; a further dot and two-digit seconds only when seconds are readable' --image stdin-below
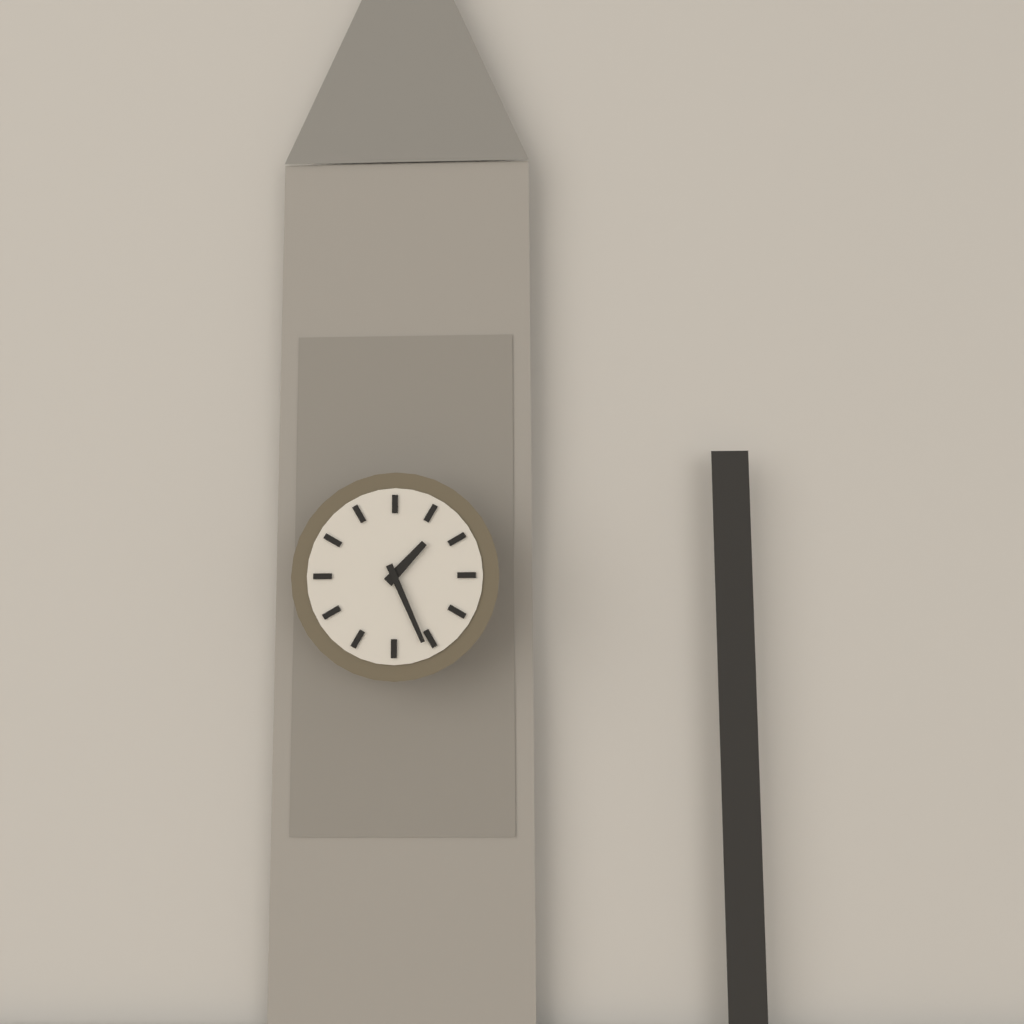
1.26
